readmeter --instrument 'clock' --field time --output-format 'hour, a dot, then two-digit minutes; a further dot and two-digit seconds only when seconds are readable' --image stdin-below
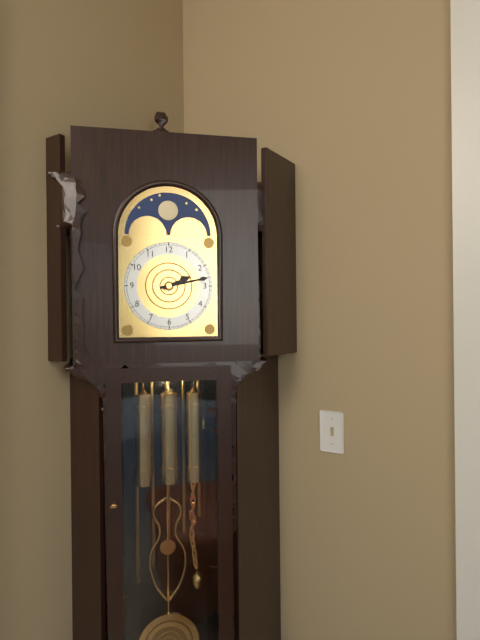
2.13
